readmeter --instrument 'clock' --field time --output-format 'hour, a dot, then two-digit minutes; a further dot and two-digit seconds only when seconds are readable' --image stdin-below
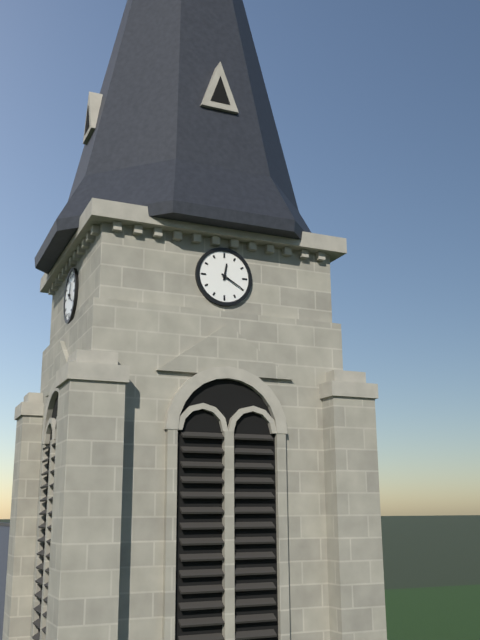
12.20
